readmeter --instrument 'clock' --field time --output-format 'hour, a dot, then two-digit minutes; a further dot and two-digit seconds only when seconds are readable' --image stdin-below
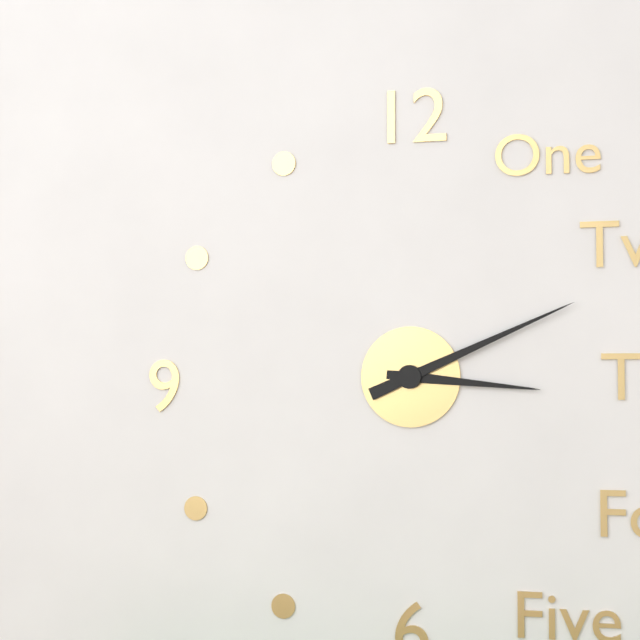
3.11
